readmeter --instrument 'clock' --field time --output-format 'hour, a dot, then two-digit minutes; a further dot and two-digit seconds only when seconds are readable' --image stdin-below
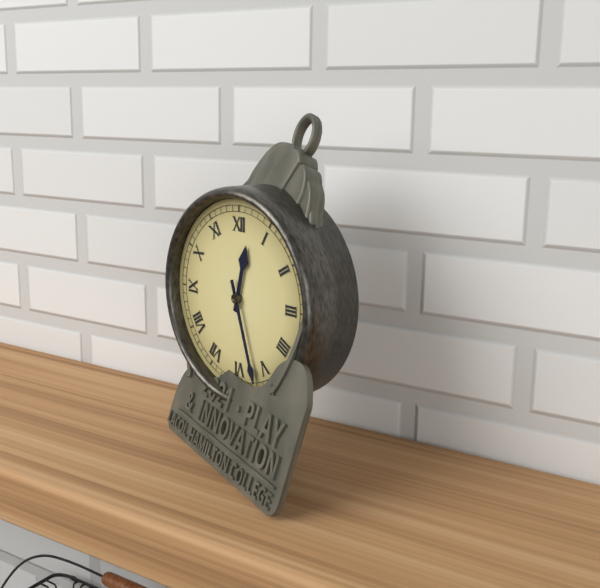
12.27
